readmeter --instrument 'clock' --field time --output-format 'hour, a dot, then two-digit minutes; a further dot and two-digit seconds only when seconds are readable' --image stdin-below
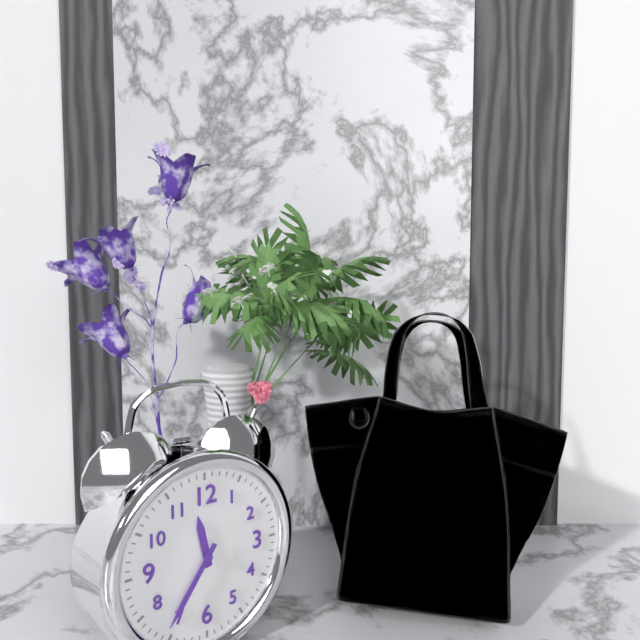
11.36
